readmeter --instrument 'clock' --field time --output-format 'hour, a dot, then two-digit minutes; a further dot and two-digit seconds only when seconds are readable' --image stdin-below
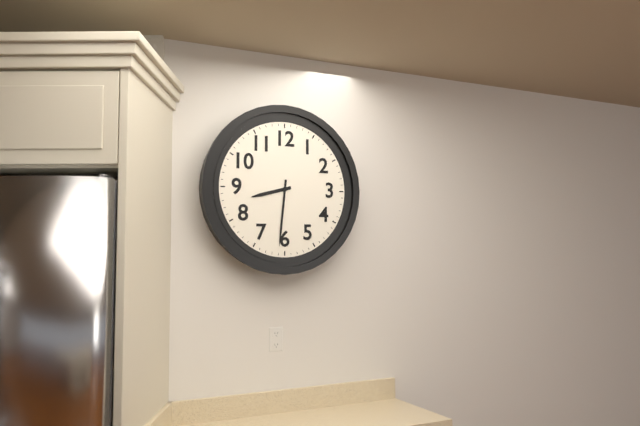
8.31
